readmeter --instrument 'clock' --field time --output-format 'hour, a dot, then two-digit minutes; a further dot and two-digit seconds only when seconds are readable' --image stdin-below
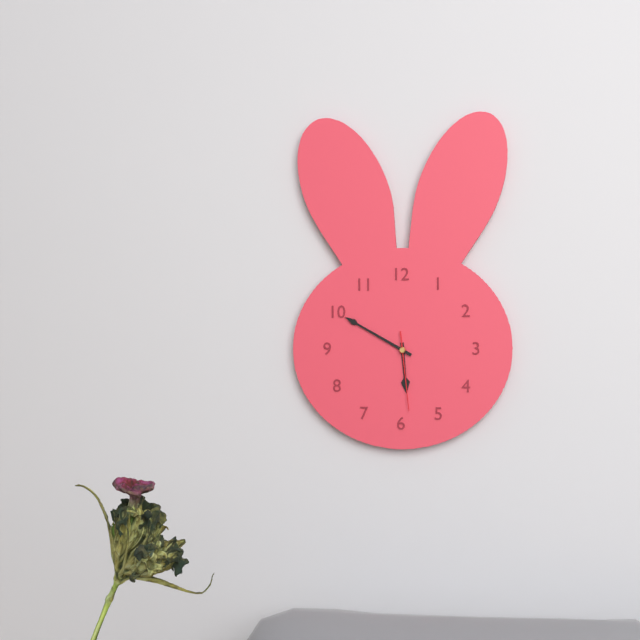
5.50.29
